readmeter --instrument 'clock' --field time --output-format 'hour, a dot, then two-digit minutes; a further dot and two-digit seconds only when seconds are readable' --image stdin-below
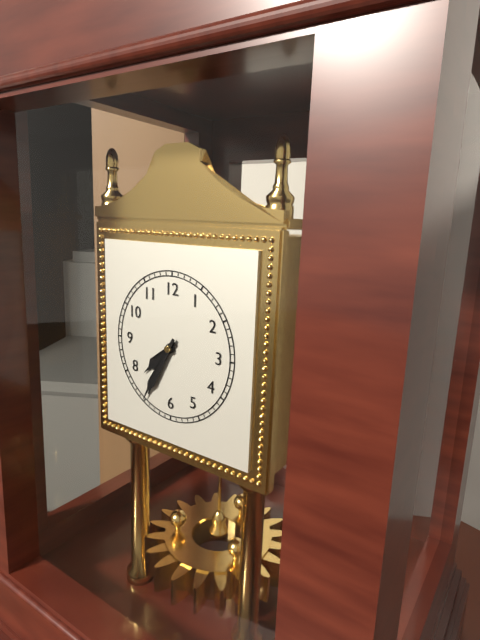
7.35
